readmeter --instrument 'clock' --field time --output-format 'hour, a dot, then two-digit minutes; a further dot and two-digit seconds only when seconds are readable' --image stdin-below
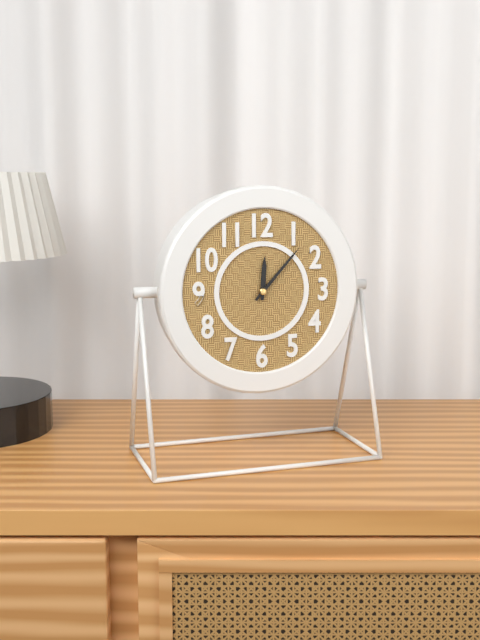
12.07
